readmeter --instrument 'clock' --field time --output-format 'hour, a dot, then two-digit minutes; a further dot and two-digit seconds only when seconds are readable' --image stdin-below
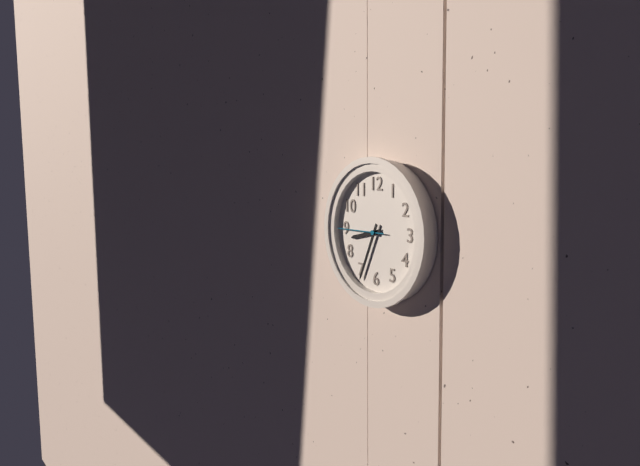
8.34
